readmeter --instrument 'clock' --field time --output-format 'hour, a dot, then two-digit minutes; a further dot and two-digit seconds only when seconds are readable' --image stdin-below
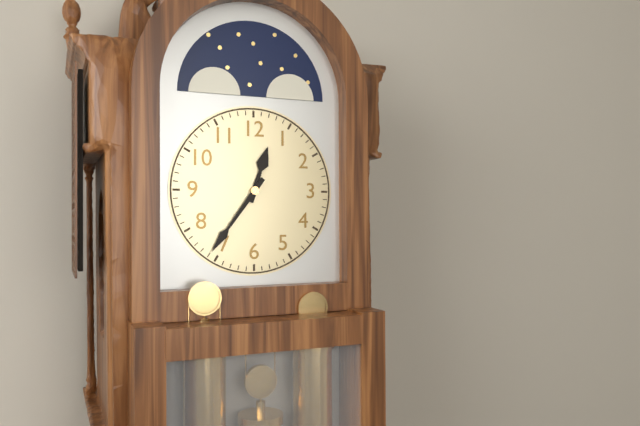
12.36
